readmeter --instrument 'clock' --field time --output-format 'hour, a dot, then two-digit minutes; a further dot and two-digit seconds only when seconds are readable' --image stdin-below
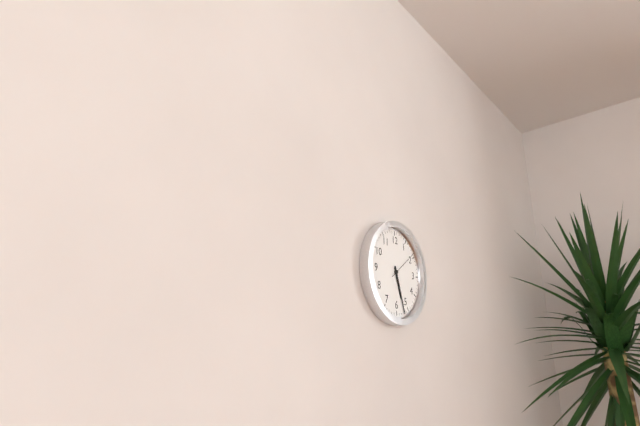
5.27
